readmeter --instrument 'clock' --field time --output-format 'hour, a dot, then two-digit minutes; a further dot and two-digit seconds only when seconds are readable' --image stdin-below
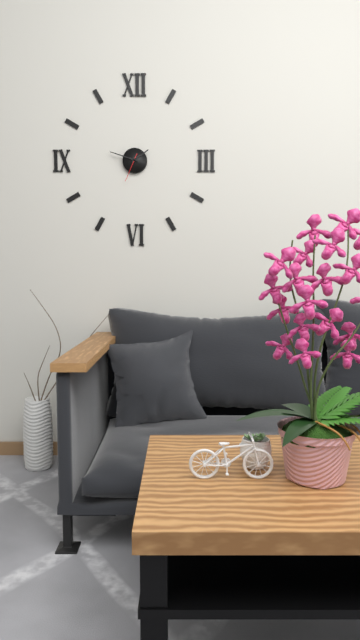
1.48
